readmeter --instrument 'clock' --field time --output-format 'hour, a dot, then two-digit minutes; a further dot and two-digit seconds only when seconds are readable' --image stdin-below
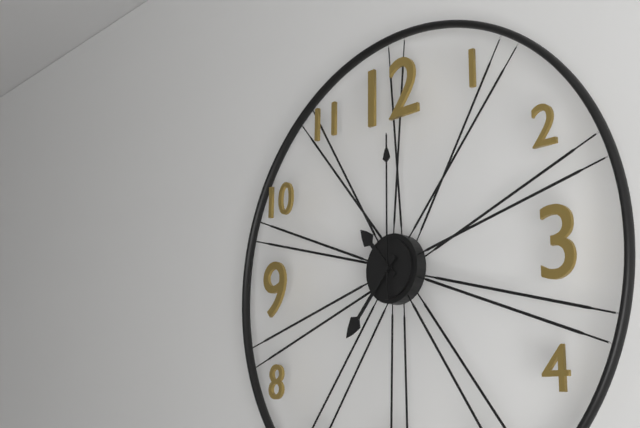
10.37.00
